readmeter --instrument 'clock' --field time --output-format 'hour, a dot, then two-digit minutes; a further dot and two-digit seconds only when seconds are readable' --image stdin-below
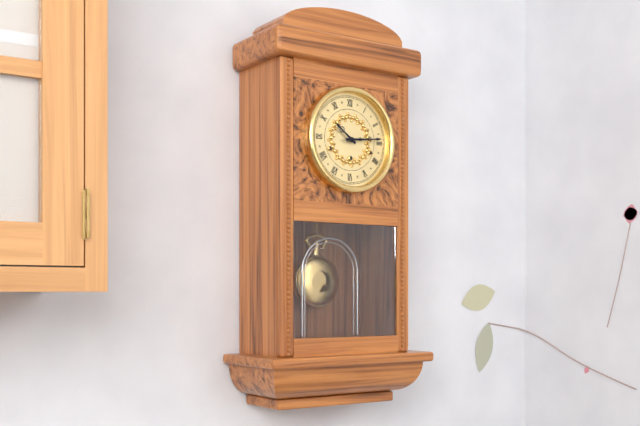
10.14
